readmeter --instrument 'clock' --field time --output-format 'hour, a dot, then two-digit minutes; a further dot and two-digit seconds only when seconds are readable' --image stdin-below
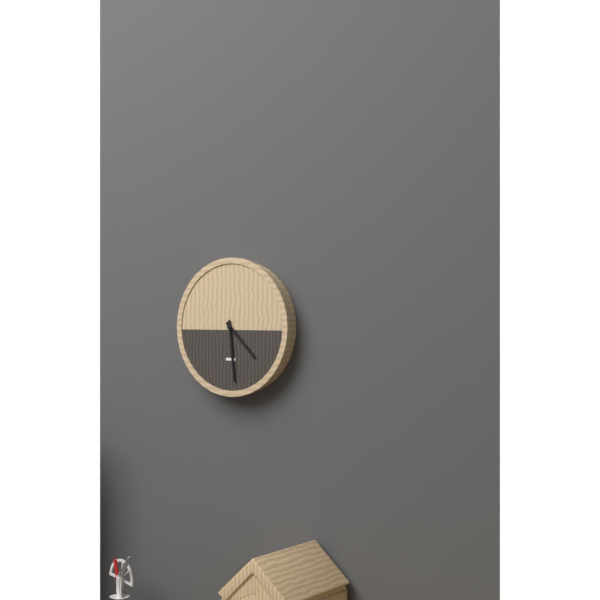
4.29
